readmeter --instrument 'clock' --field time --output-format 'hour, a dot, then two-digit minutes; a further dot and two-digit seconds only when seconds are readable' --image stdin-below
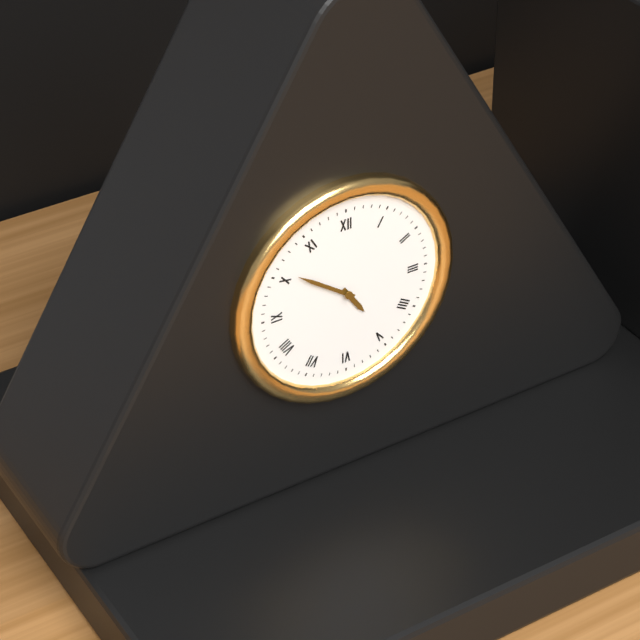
4.51
